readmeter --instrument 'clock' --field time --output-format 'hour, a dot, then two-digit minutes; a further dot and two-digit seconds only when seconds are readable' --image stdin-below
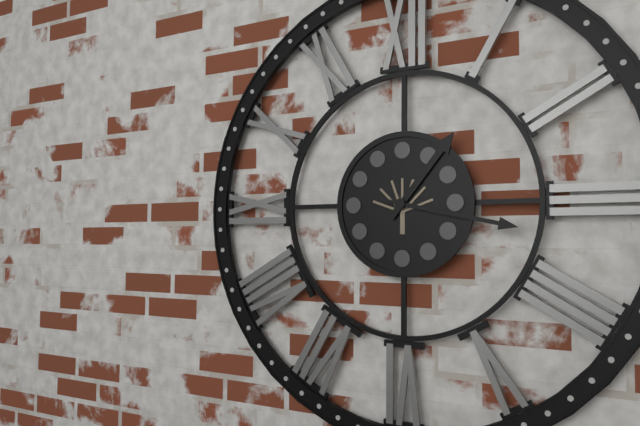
1.17
